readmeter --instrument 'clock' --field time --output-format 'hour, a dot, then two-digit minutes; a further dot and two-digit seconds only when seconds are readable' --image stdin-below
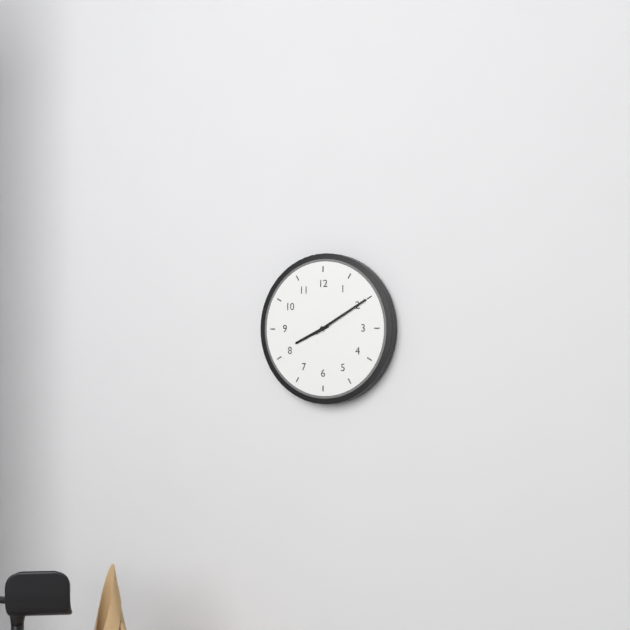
8.10
